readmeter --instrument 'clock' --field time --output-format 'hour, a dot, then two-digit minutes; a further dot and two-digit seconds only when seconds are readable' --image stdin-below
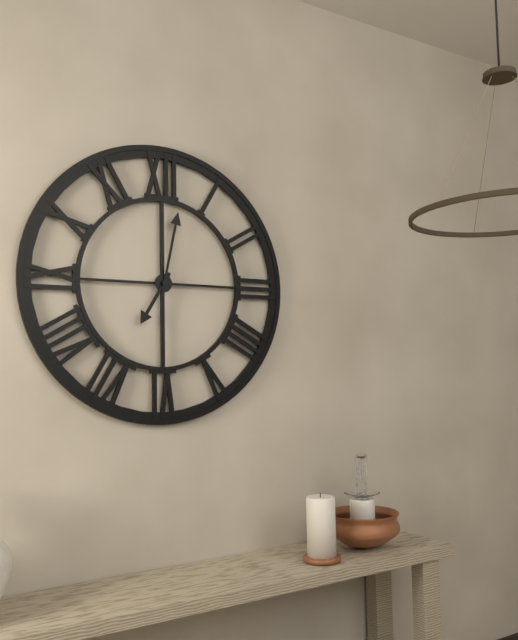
7.02
